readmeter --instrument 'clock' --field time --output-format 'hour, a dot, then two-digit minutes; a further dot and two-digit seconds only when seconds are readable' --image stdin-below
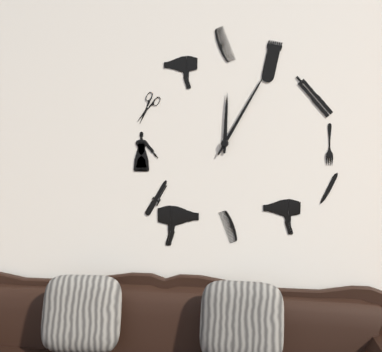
12.05
